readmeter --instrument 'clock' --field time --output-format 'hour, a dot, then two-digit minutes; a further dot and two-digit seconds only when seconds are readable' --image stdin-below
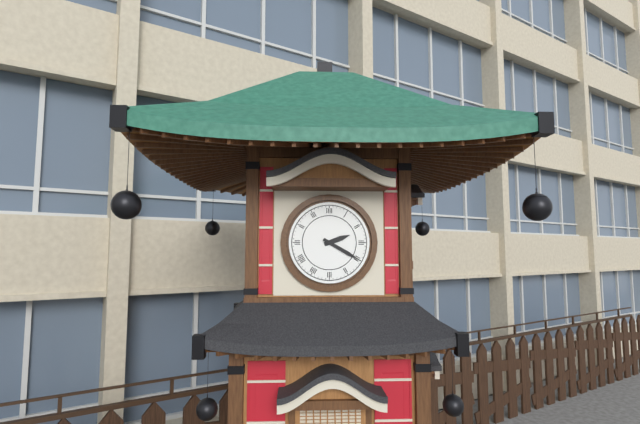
2.20
